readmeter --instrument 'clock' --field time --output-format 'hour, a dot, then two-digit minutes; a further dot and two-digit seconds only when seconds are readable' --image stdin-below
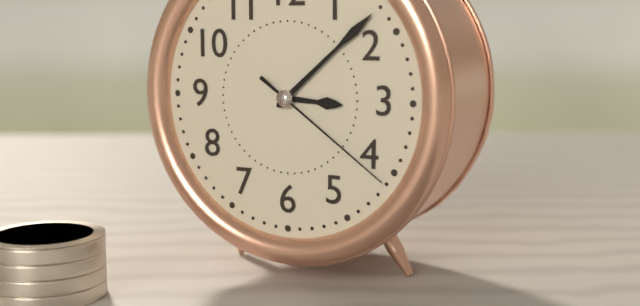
3.08.21
